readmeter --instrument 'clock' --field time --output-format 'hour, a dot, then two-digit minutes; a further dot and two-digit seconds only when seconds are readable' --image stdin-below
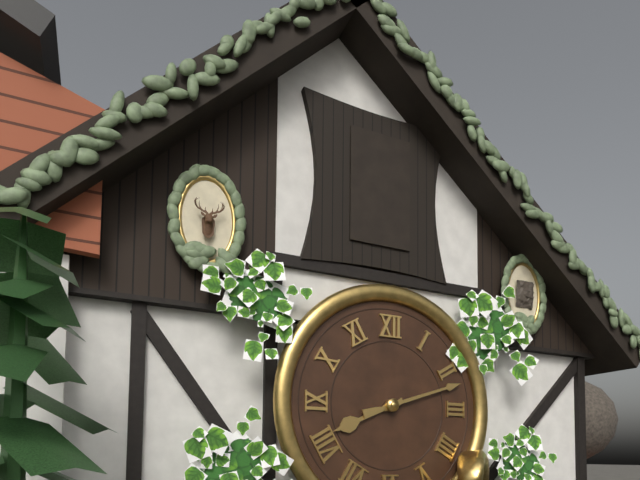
8.12
